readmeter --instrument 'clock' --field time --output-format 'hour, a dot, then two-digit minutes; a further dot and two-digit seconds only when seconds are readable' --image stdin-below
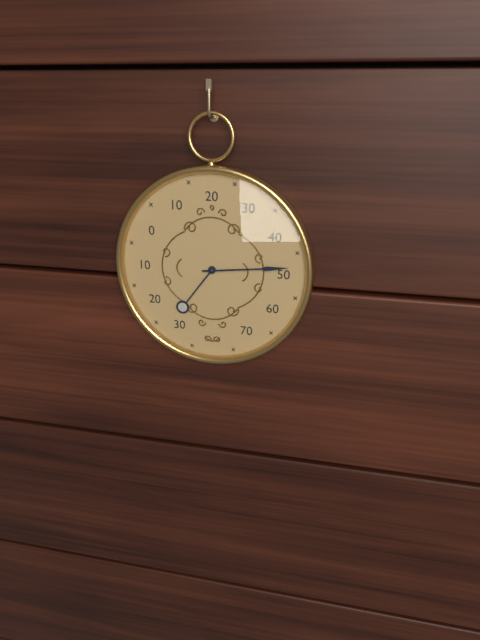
7.14
